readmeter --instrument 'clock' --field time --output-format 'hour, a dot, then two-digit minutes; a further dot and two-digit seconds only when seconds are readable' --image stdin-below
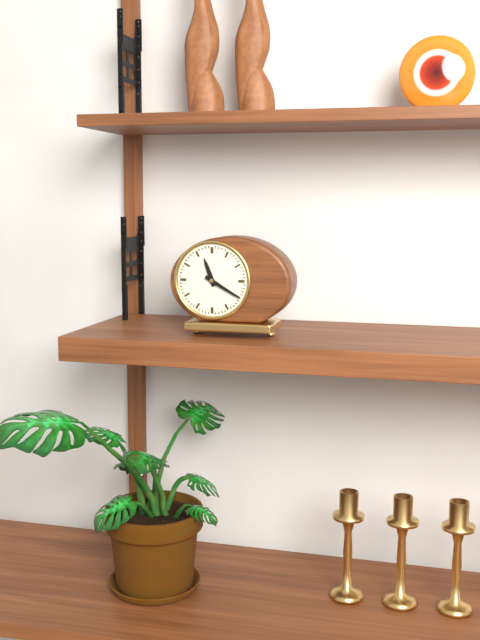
11.20
